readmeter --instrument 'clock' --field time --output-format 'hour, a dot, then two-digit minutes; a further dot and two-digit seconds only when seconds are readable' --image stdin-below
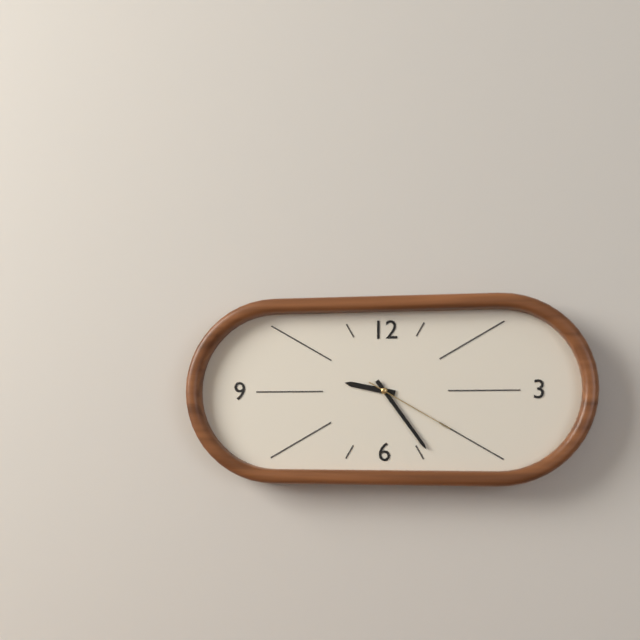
9.24.20
